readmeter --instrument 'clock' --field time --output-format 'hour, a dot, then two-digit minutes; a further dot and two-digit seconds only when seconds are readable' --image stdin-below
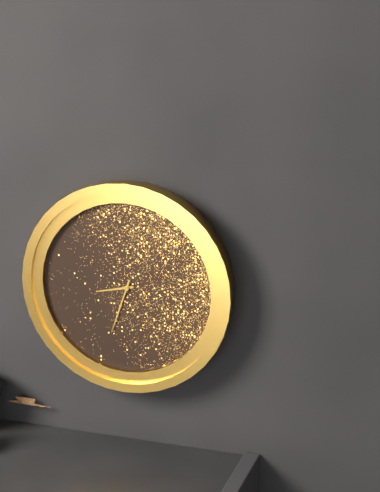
8.33
